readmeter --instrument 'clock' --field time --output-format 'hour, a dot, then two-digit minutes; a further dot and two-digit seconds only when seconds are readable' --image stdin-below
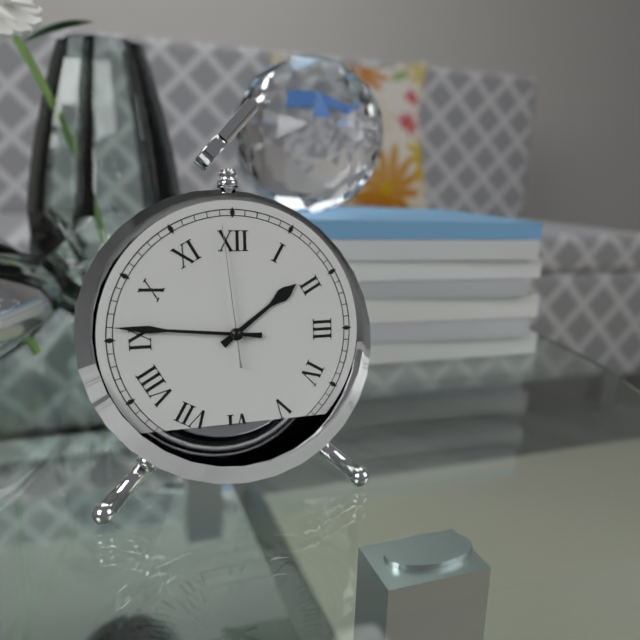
1.46.59
